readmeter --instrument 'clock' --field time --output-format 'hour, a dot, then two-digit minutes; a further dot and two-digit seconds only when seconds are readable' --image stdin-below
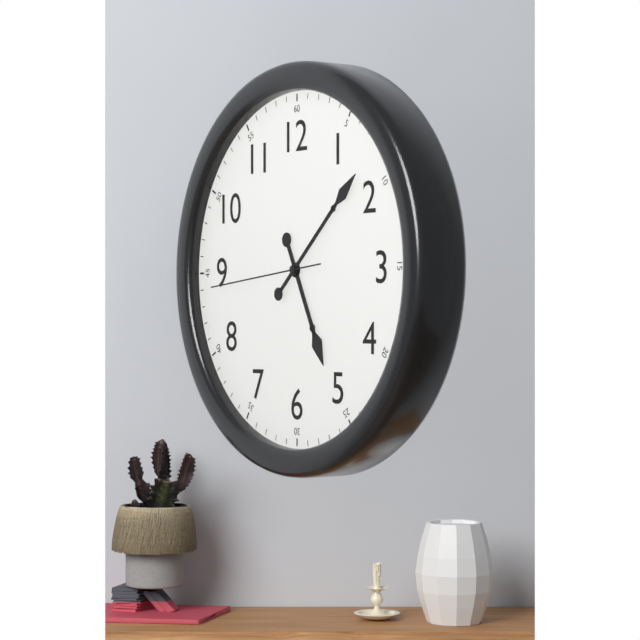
5.08.44
